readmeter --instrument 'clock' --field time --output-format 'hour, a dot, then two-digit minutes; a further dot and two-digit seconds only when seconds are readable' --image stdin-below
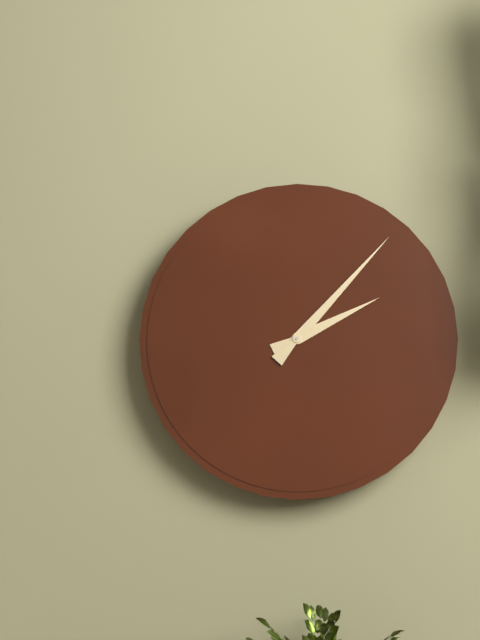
2.07
